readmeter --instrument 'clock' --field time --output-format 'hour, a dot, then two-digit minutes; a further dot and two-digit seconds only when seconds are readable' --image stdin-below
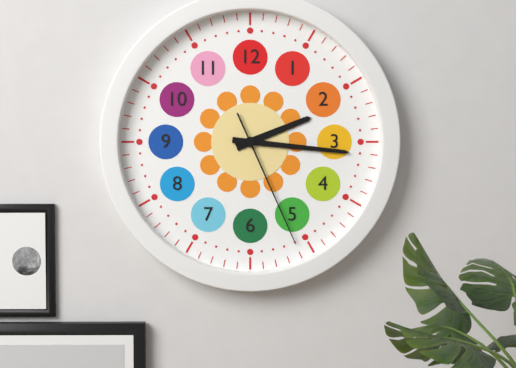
2.16.26
